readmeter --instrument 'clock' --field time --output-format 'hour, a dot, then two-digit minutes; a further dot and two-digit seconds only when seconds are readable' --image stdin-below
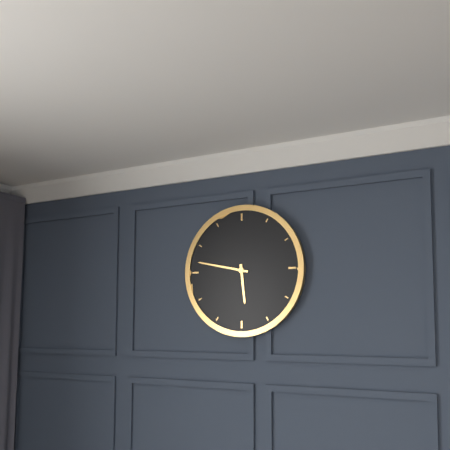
5.47
